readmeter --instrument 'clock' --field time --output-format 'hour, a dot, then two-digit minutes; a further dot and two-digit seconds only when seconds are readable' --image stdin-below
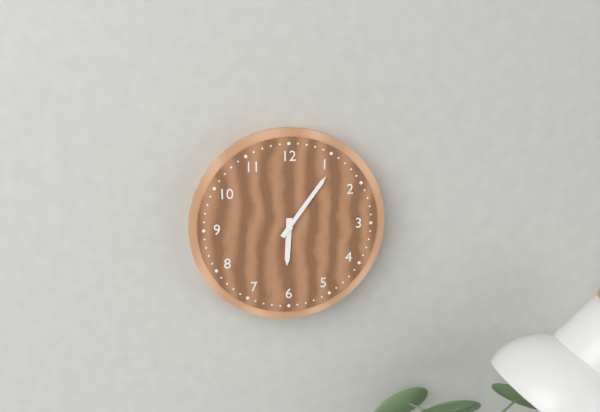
6.06
